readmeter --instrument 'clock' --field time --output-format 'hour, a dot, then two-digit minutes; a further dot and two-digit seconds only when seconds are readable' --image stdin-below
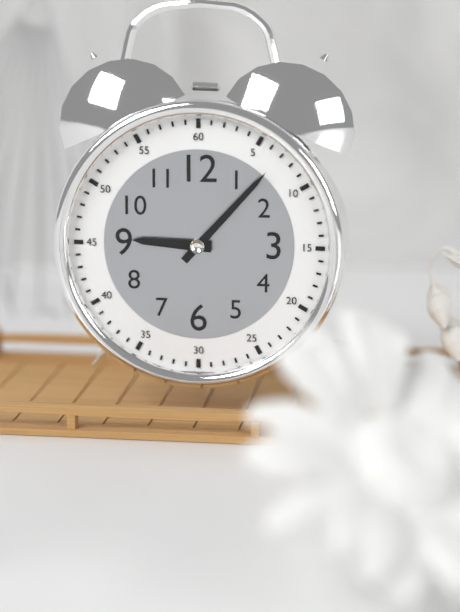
9.07
